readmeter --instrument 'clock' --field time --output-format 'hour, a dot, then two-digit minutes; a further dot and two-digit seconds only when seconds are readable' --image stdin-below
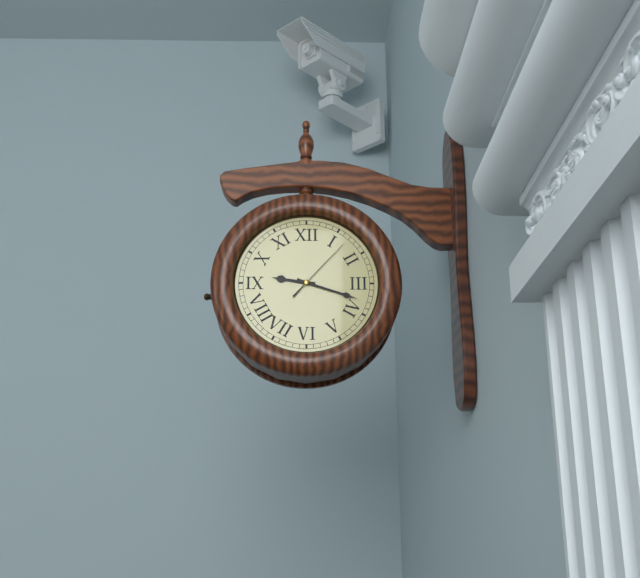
9.18.07
